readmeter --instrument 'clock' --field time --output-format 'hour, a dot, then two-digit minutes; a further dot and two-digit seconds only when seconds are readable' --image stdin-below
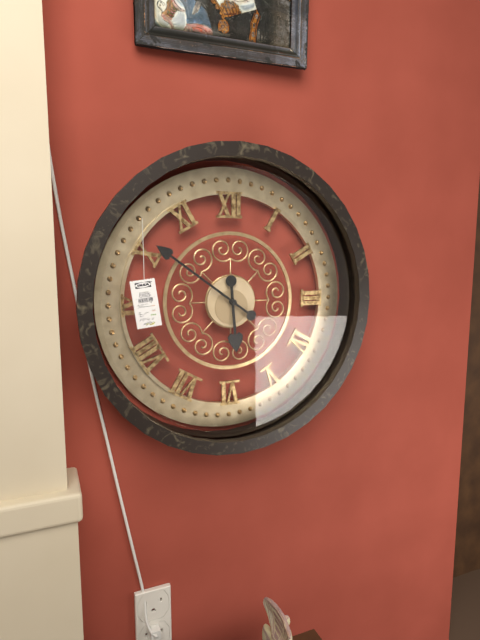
5.51
